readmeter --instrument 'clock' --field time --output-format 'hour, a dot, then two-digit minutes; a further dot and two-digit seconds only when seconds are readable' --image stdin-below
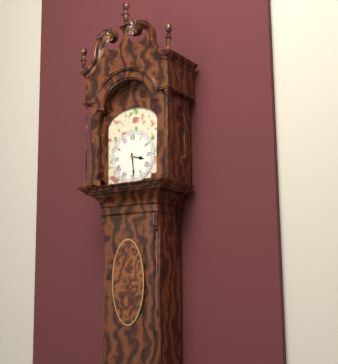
3.29
